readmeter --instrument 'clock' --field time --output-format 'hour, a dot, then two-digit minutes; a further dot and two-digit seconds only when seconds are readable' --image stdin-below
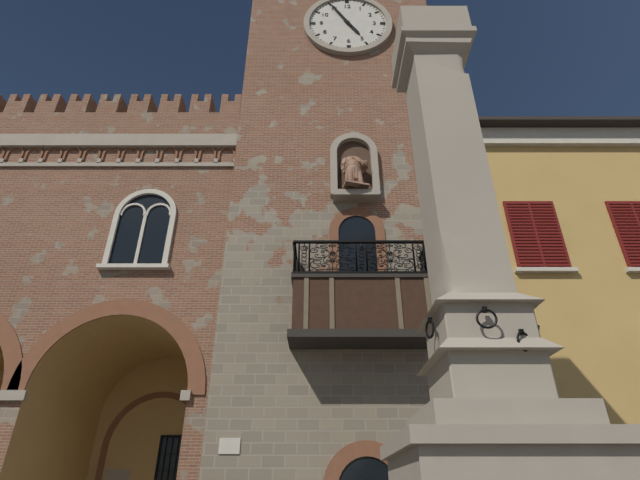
4.55
